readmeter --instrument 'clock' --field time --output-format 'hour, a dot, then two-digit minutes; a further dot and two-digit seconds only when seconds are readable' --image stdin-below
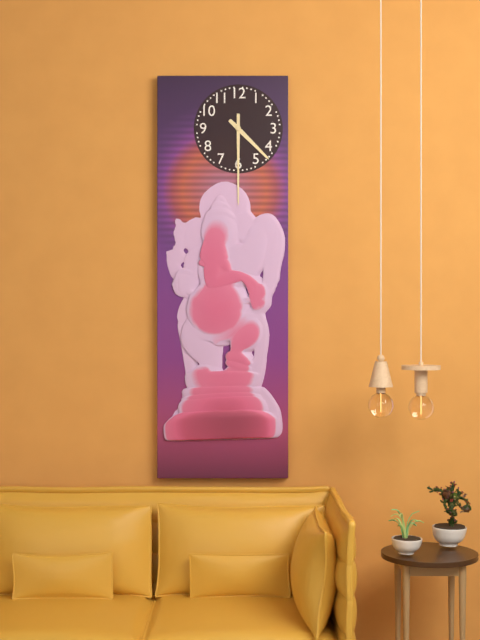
4.30
